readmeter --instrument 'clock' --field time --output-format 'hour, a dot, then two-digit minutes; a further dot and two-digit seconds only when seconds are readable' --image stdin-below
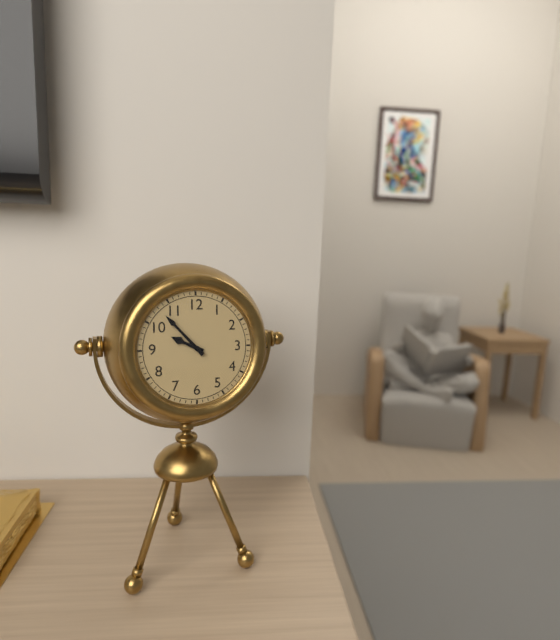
9.53
